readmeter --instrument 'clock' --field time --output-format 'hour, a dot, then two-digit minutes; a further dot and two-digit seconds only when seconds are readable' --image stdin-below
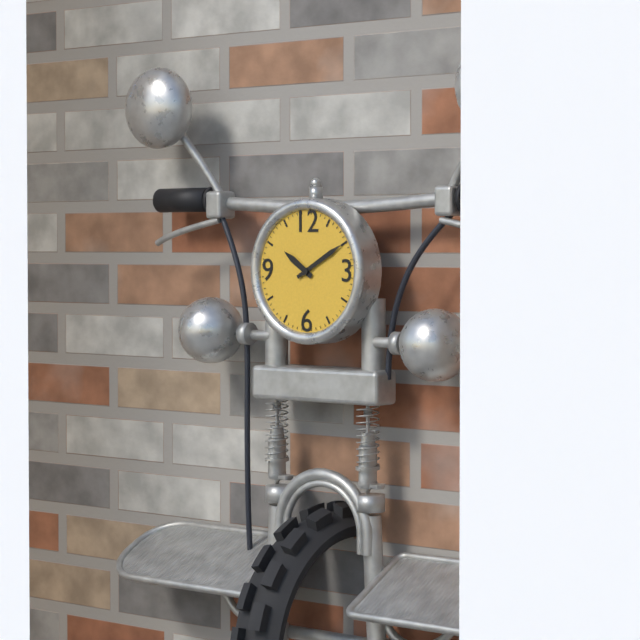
10.10
